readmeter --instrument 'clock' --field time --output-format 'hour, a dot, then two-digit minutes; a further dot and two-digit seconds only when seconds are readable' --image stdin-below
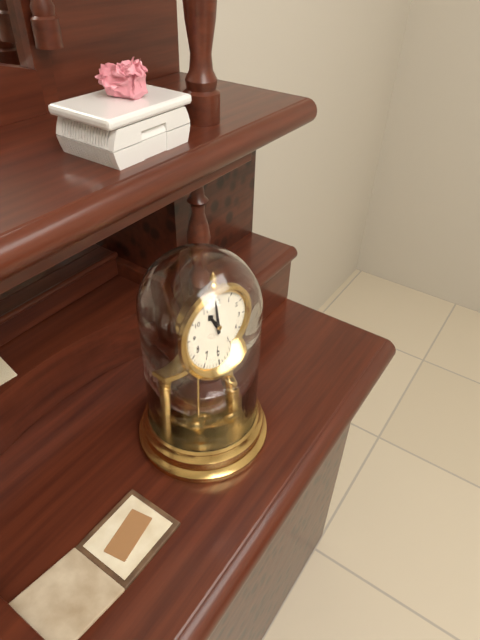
10.59
